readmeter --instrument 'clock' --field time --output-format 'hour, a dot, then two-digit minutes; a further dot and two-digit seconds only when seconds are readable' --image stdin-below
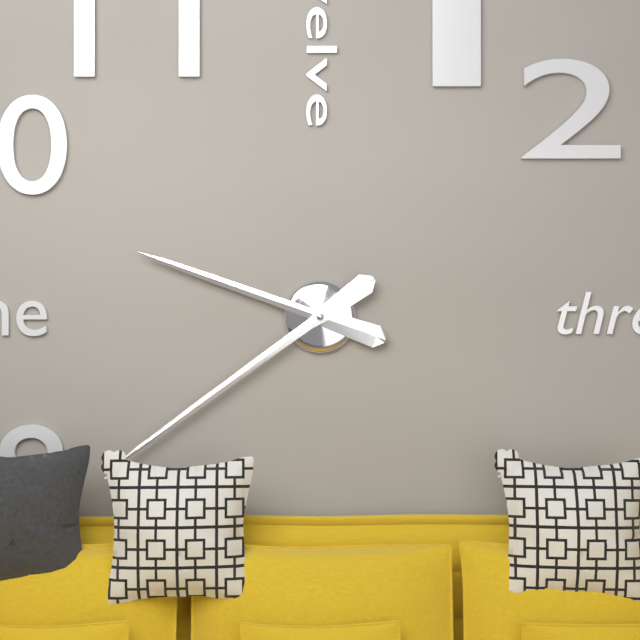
9.39
